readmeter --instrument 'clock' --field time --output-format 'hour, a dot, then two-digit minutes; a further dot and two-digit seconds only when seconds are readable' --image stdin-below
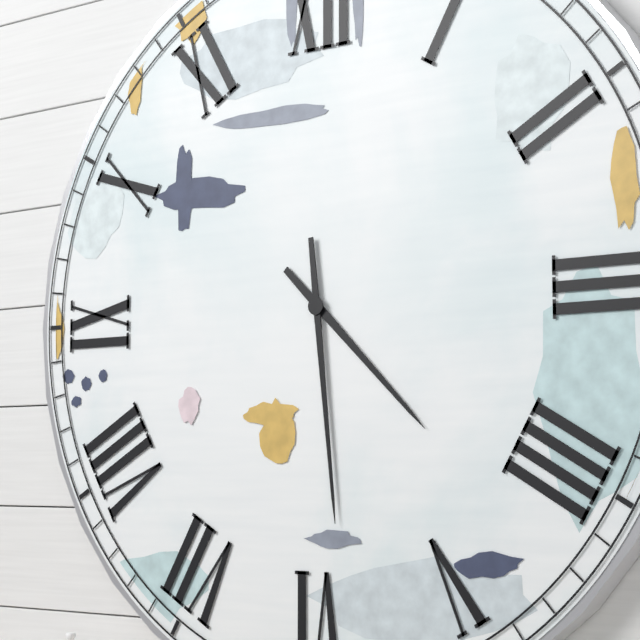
4.29
